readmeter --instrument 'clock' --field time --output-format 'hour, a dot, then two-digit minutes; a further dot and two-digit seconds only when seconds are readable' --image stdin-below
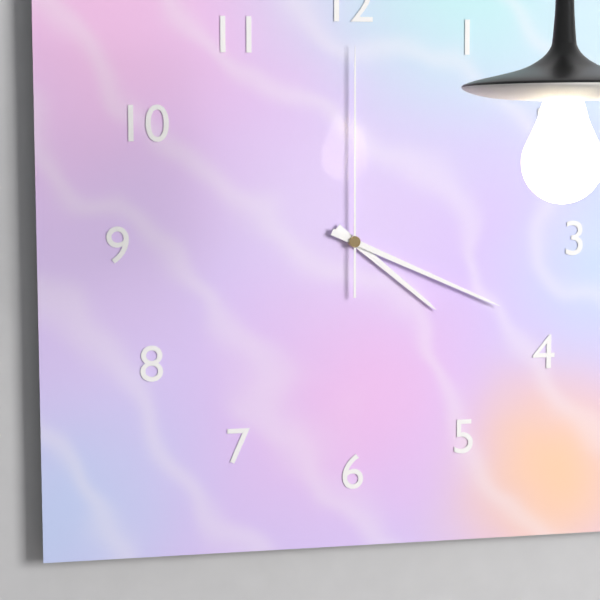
4.19.00
